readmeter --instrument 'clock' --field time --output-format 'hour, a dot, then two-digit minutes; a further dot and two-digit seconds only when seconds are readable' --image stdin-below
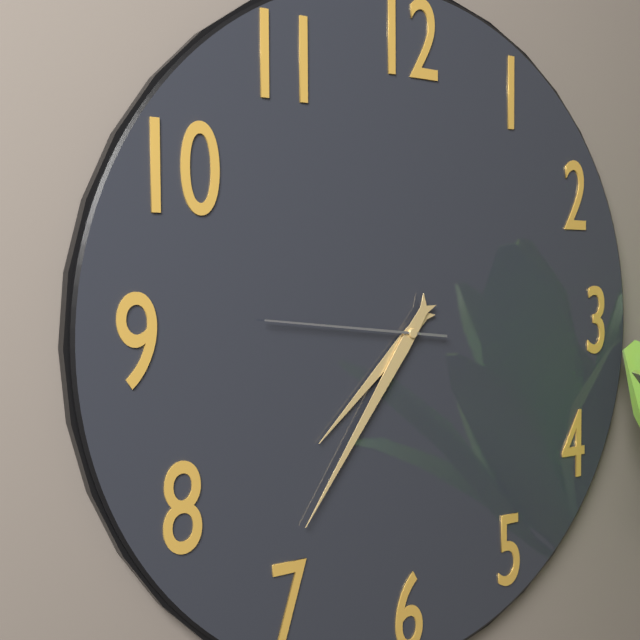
7.36.46
